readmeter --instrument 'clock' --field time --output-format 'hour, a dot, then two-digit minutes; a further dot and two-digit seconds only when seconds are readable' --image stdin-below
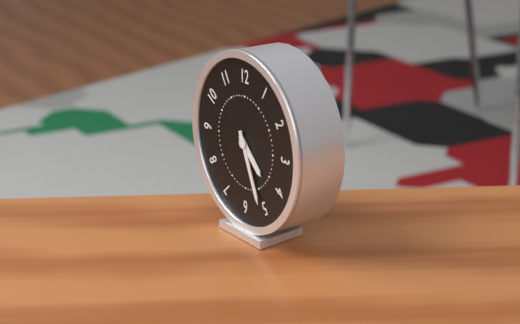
4.26
